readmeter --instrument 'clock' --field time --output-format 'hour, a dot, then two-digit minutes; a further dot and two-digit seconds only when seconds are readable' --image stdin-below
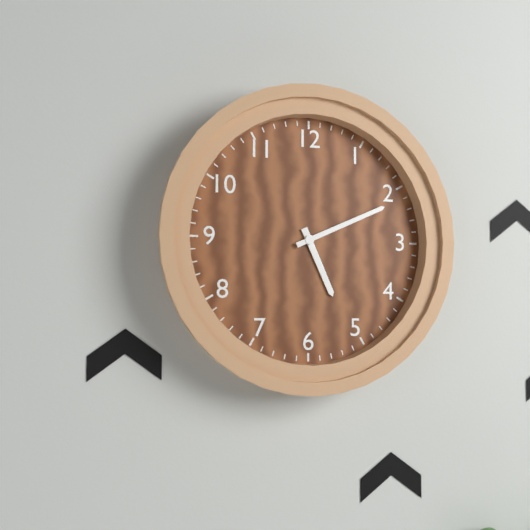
5.11
